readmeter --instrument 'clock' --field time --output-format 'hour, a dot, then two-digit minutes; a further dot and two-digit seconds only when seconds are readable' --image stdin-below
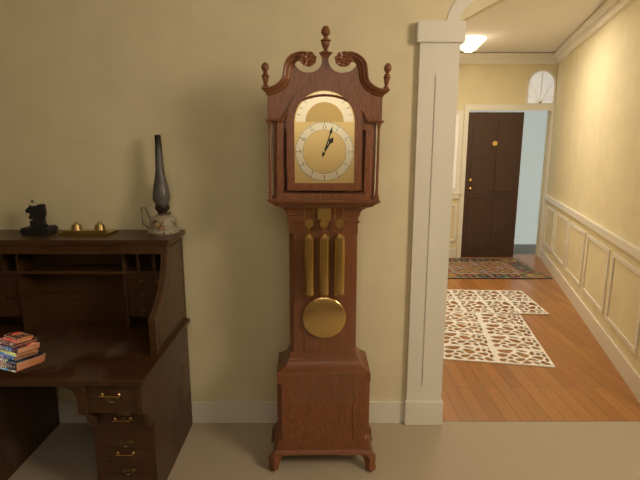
1.03
